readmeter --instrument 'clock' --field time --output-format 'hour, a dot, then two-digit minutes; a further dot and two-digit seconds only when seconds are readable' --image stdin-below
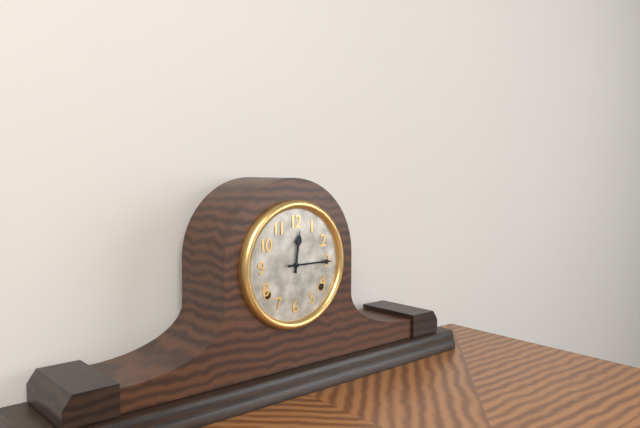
12.15
